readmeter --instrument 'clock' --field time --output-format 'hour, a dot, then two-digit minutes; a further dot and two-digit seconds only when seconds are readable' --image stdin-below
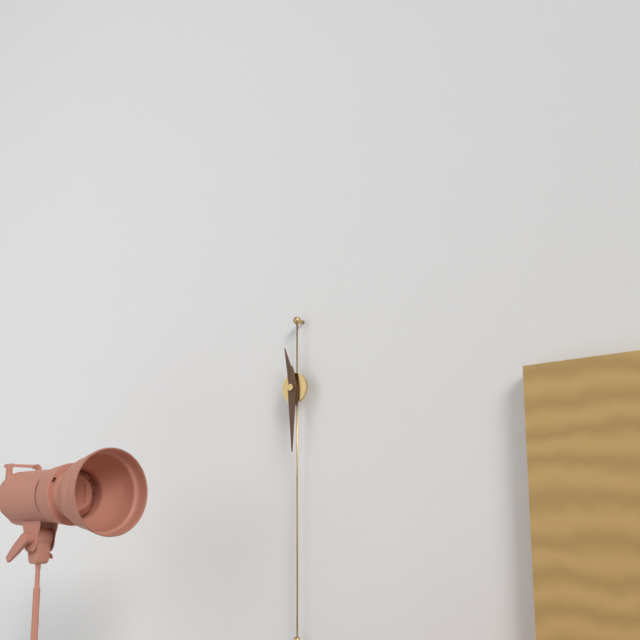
11.30
